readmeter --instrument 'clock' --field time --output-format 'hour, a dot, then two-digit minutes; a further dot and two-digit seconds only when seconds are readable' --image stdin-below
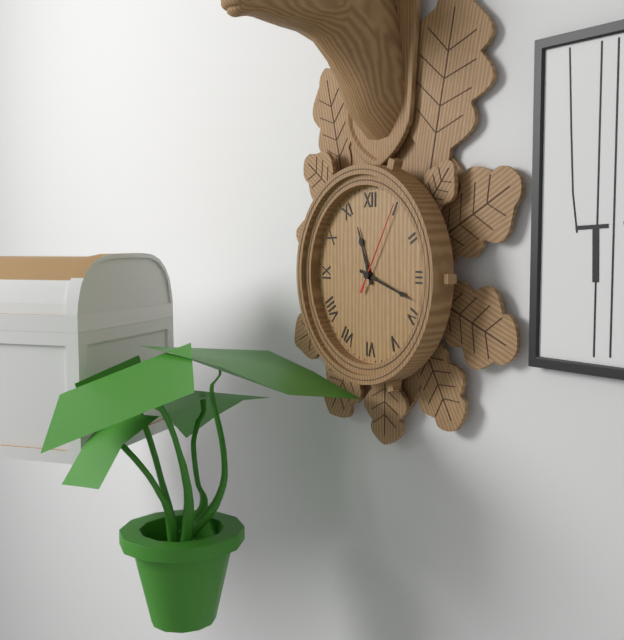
11.18.05
